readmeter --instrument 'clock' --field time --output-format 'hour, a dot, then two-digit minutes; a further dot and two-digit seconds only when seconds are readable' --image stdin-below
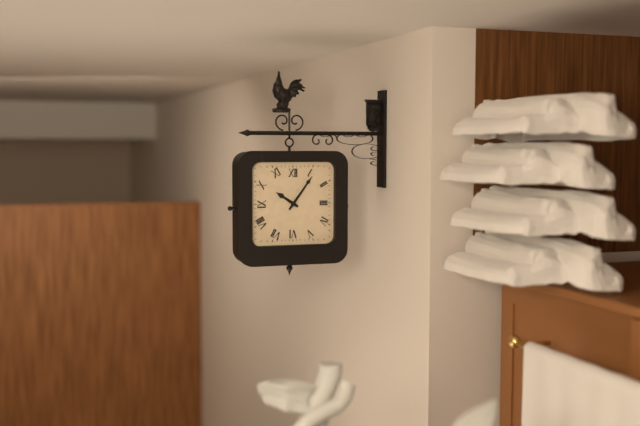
10.06
